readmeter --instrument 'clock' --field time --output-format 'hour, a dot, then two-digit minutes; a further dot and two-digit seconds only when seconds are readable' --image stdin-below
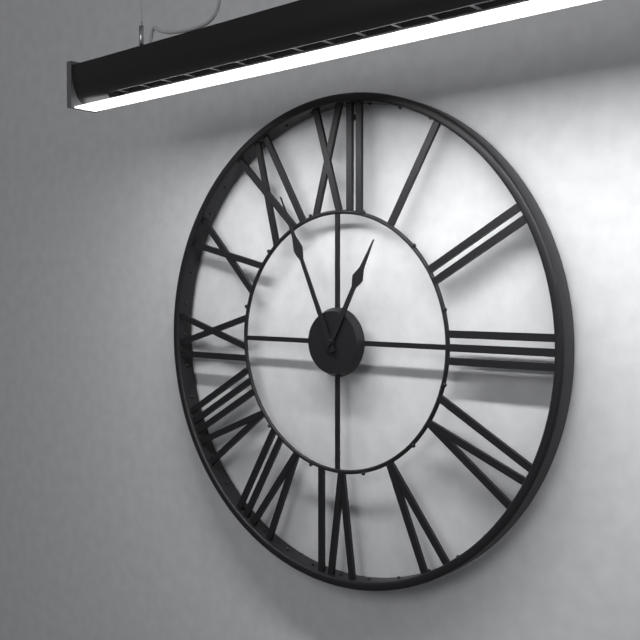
12.56
